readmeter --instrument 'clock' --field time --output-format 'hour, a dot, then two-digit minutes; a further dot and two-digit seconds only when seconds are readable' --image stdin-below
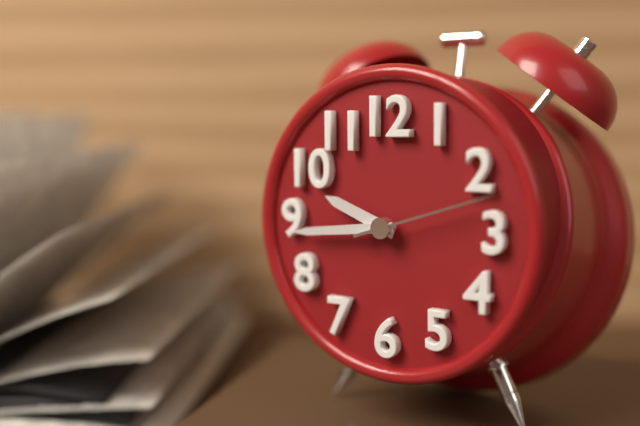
9.44.12
